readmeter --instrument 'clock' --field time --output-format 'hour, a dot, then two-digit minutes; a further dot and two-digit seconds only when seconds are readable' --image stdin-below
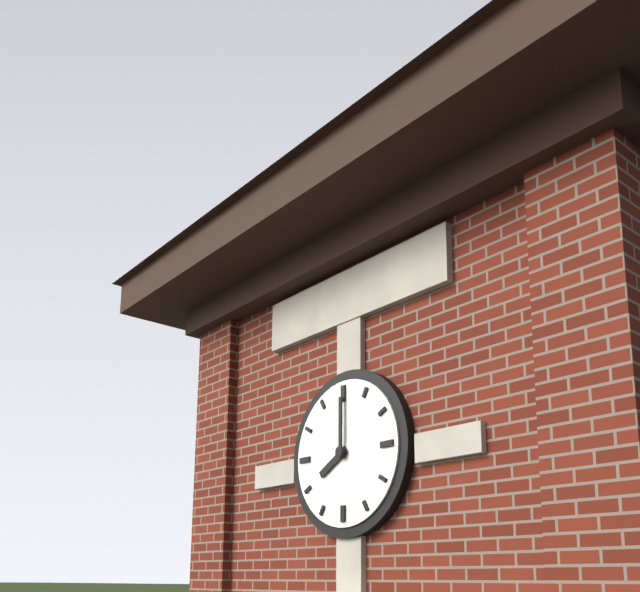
8.00
